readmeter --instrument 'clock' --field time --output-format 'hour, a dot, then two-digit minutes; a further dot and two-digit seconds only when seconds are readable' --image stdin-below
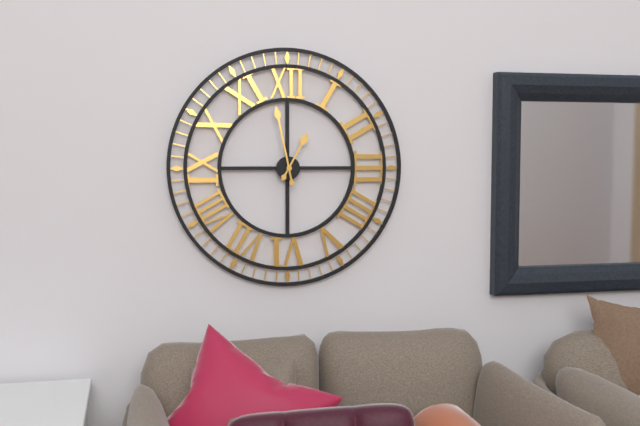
12.58
